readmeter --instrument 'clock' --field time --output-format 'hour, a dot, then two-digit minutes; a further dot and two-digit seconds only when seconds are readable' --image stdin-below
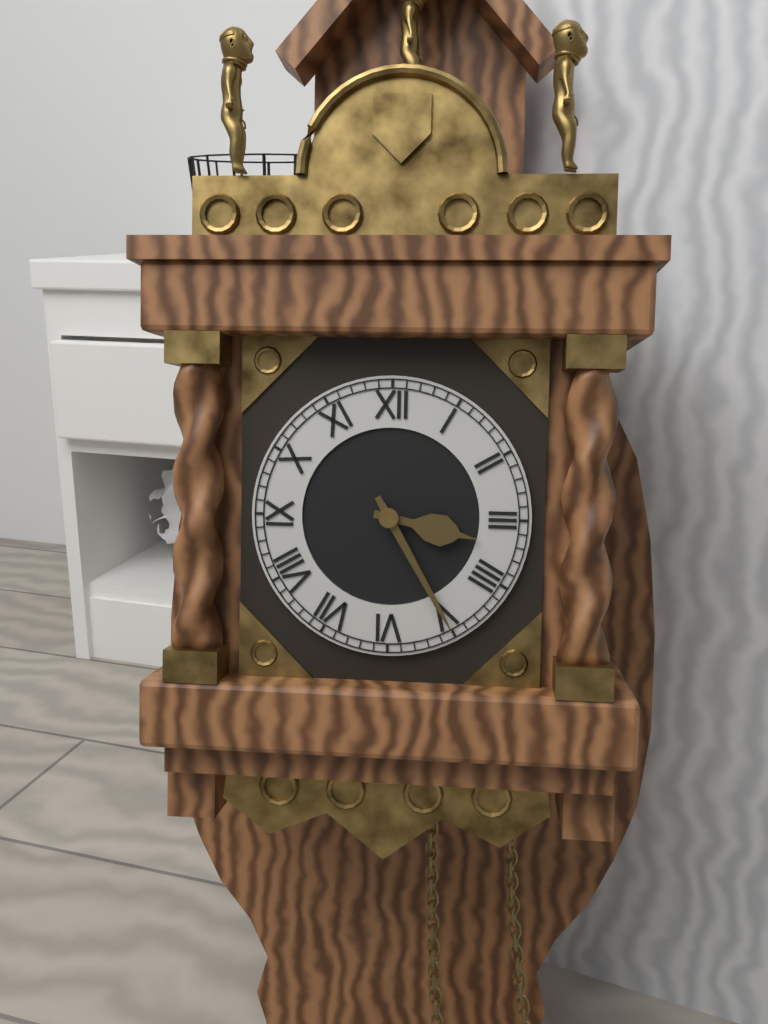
3.25
